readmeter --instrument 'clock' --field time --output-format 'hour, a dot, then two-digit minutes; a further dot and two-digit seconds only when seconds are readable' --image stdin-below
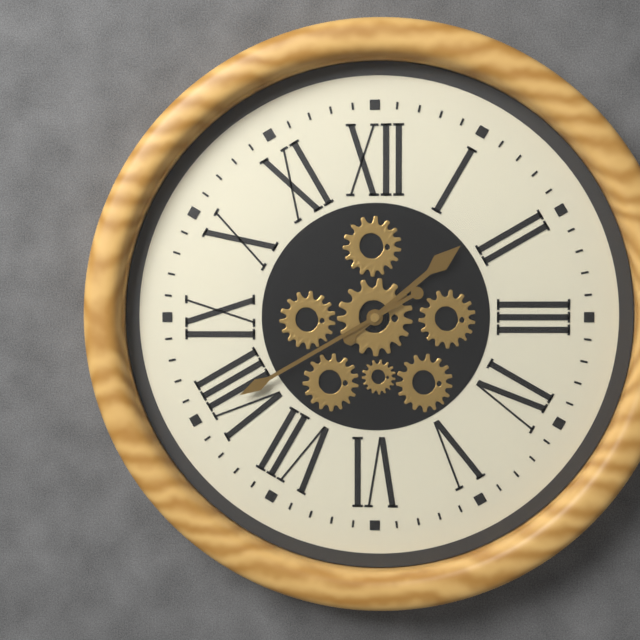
1.40
